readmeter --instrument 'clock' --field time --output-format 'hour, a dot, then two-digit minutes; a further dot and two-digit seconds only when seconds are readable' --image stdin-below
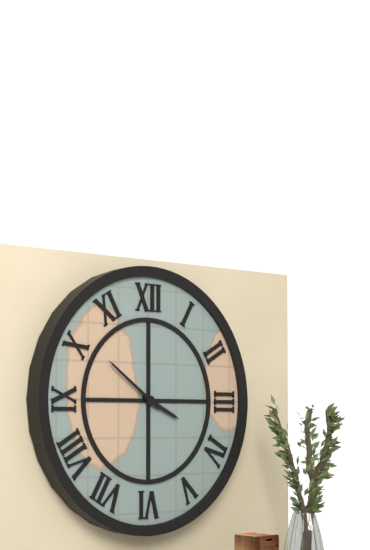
3.51
